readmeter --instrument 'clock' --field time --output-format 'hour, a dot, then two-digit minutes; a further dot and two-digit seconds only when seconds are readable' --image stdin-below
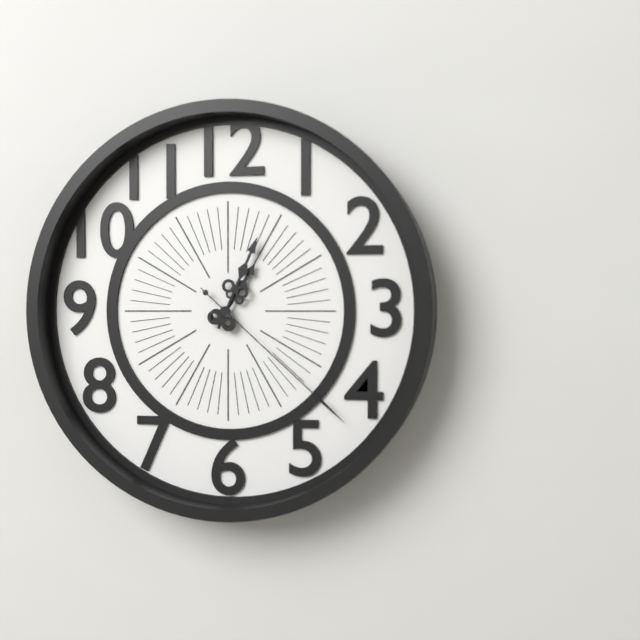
1.04.22
